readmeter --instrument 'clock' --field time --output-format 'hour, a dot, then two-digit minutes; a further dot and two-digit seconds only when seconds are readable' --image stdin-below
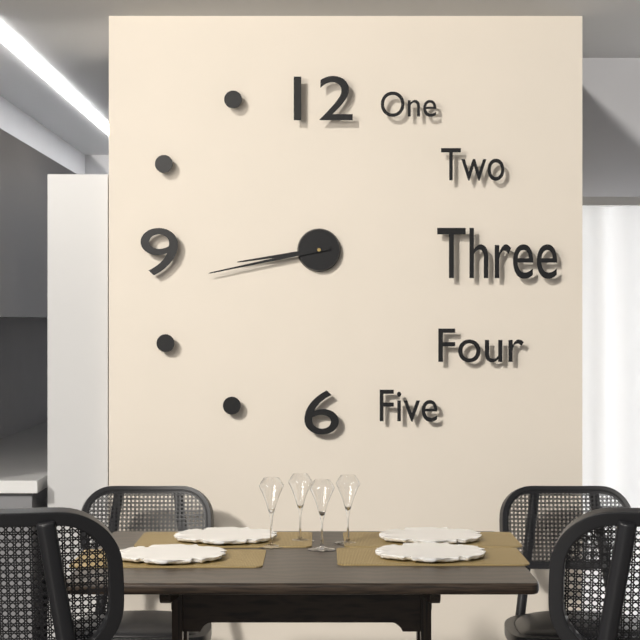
8.43
